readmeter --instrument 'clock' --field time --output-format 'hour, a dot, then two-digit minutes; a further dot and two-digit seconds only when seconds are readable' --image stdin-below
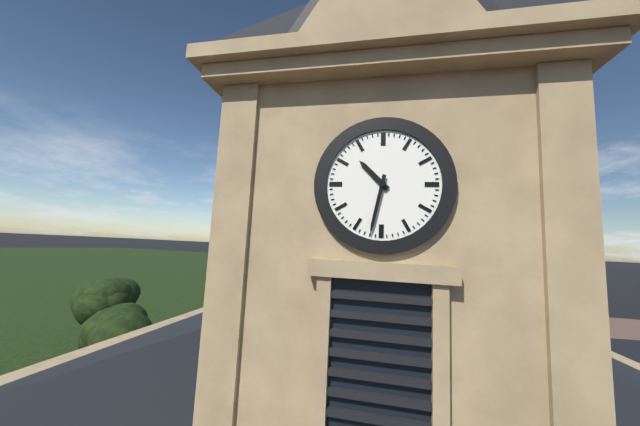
10.32
